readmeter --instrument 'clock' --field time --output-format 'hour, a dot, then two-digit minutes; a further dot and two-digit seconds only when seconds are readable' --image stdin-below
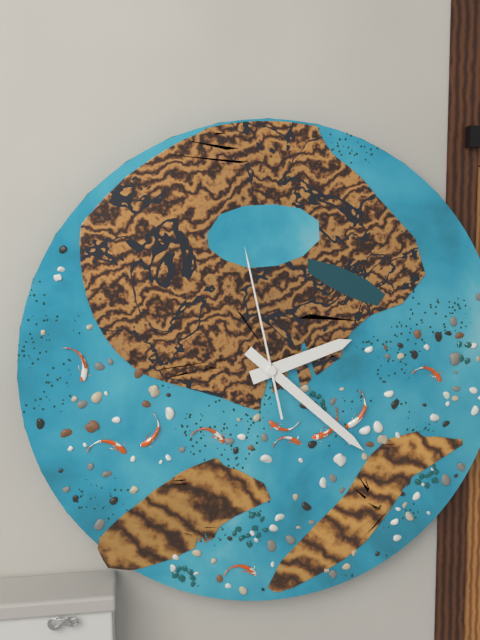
2.22.58
